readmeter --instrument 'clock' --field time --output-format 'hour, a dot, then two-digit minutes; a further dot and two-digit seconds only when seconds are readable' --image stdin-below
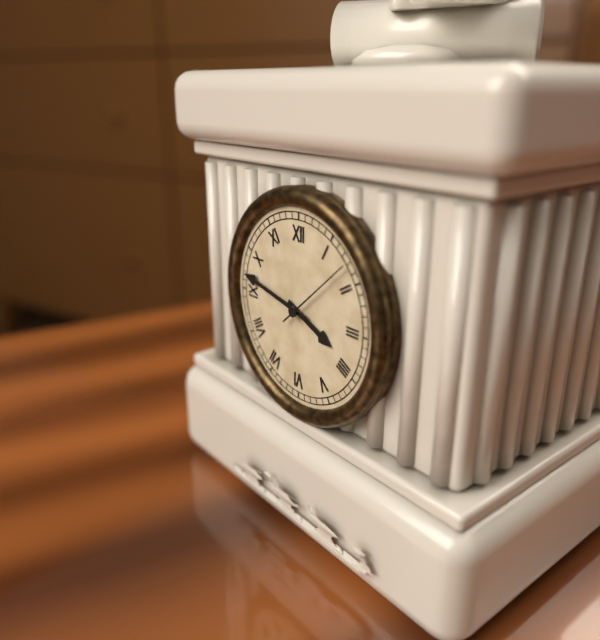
3.47.08
